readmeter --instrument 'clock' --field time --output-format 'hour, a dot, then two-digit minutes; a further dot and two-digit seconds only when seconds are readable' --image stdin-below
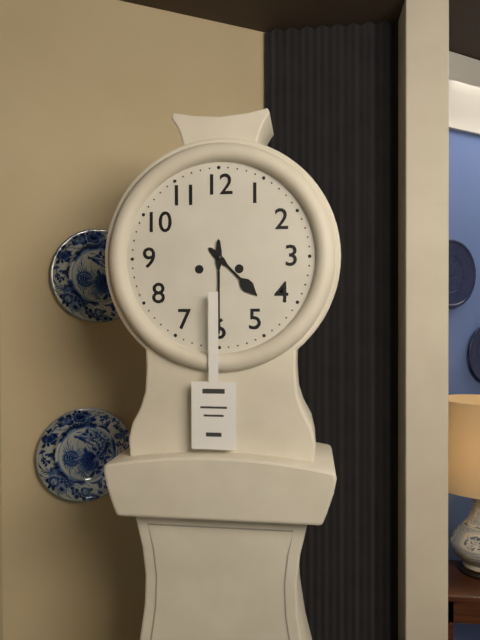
4.30
